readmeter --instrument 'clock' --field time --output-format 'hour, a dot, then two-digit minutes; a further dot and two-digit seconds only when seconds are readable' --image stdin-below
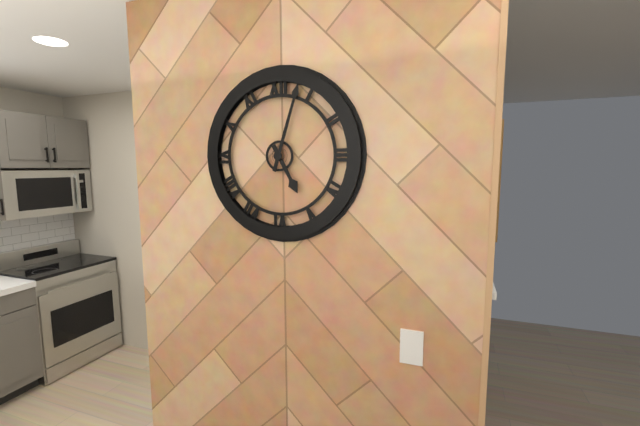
5.03
